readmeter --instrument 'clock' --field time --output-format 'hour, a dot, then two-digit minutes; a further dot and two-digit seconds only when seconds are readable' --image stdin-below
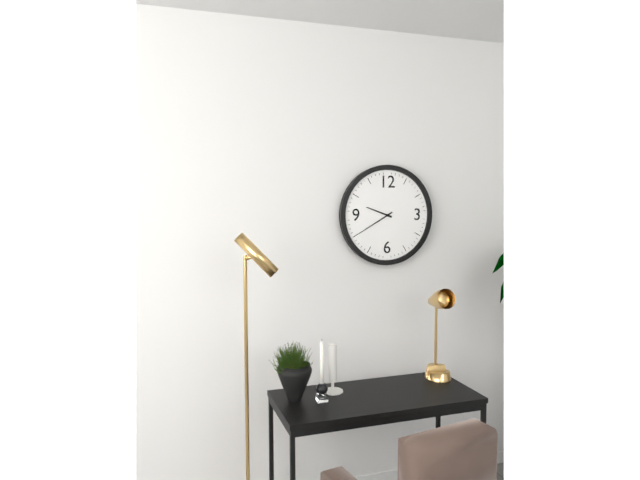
9.40
